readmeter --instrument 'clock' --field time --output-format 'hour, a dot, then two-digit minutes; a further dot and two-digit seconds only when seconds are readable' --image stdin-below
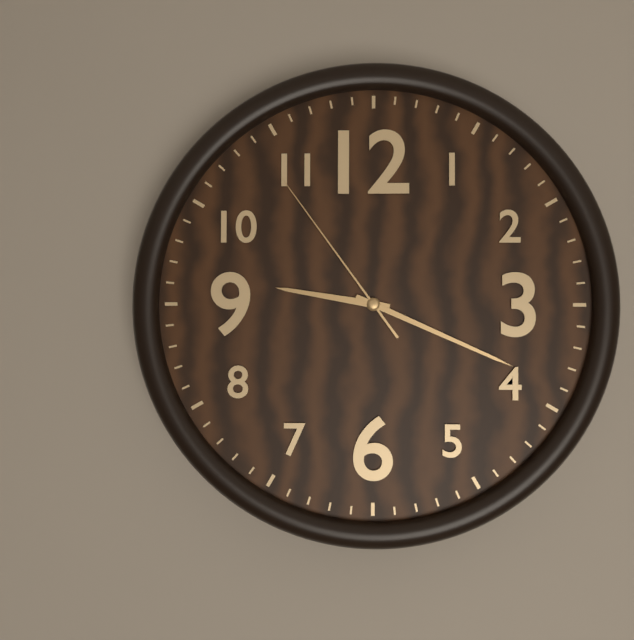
9.19.54
